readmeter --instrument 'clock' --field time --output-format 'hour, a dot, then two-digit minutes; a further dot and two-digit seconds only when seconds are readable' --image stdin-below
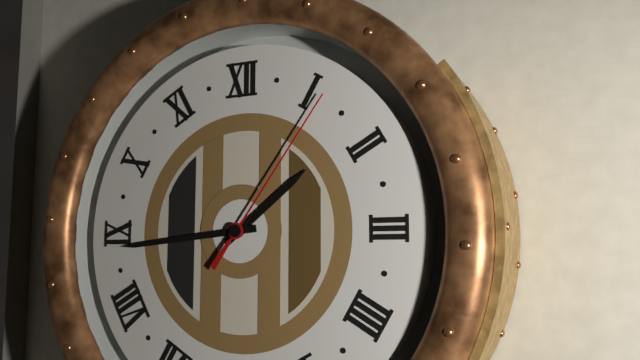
1.44.06
